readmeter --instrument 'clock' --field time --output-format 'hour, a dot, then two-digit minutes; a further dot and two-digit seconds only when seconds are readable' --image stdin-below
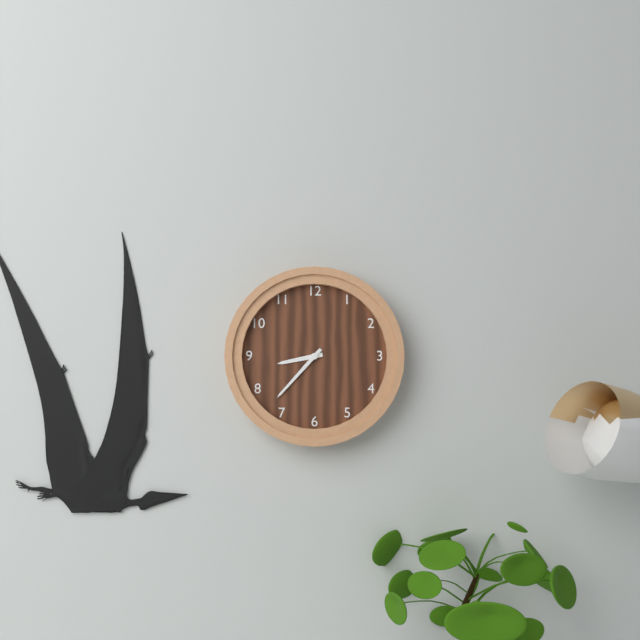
8.37
